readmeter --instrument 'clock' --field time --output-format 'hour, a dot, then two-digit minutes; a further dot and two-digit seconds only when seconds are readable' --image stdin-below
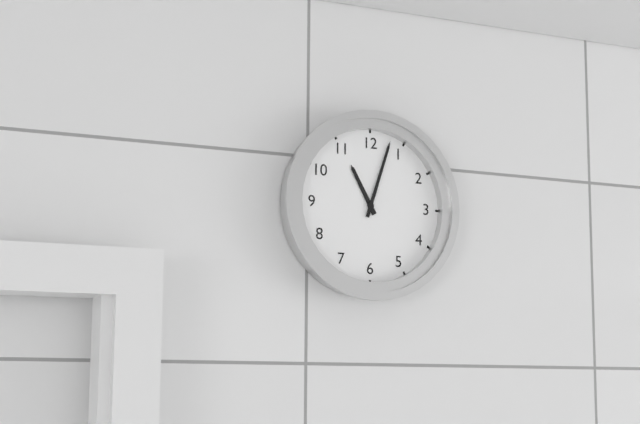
11.03
